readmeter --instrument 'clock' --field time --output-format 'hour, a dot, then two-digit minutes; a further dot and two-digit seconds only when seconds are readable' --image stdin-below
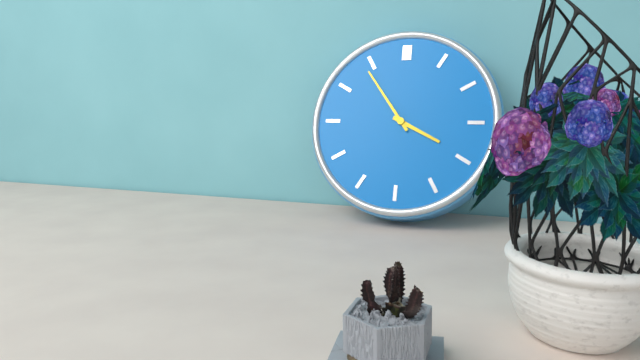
3.54
